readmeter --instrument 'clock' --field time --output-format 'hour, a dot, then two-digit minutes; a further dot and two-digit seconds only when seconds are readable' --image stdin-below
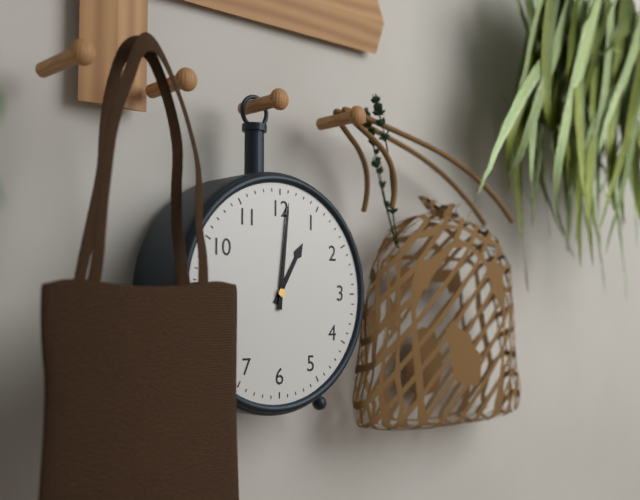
1.01
